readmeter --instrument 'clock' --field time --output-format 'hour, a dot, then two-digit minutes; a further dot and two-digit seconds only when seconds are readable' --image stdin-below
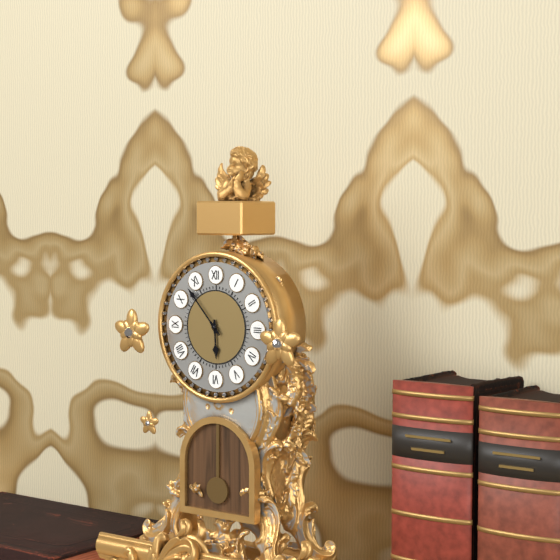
5.53
